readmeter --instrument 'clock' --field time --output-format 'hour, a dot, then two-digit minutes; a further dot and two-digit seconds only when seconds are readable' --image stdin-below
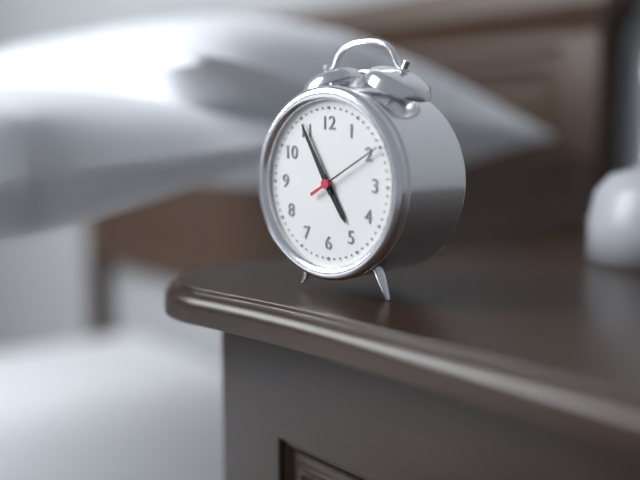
4.55.10
